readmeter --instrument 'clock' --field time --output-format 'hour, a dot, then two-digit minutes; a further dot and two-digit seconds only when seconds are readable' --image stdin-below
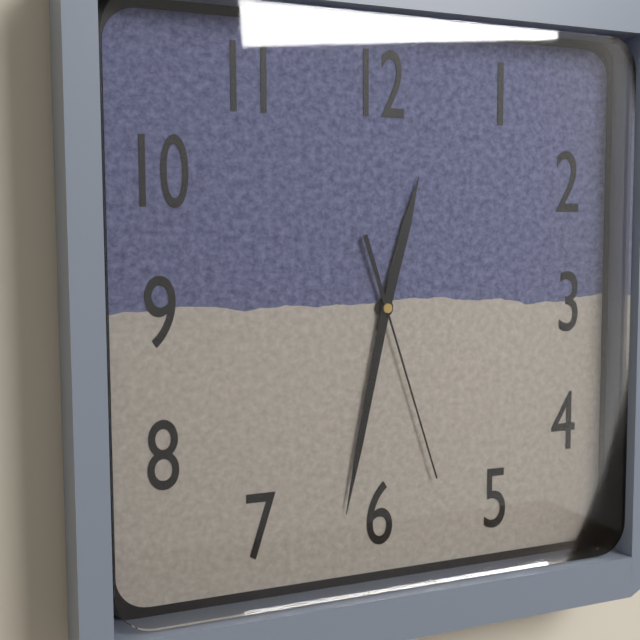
12.32.27
